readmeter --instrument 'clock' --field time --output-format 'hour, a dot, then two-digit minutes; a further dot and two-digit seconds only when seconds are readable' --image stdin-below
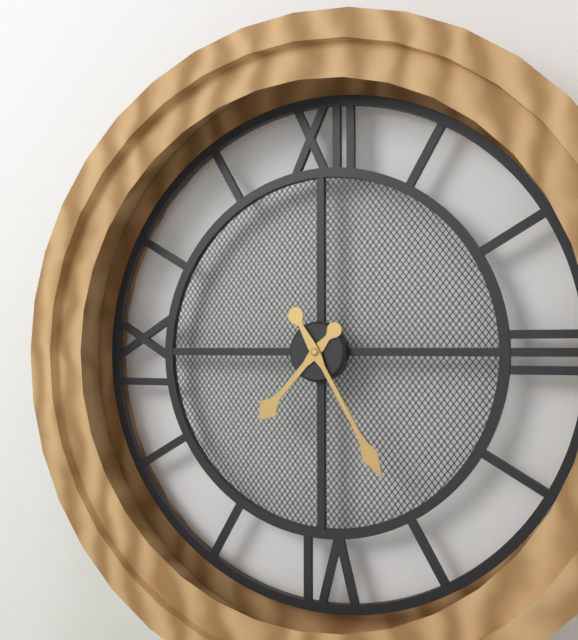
7.25
